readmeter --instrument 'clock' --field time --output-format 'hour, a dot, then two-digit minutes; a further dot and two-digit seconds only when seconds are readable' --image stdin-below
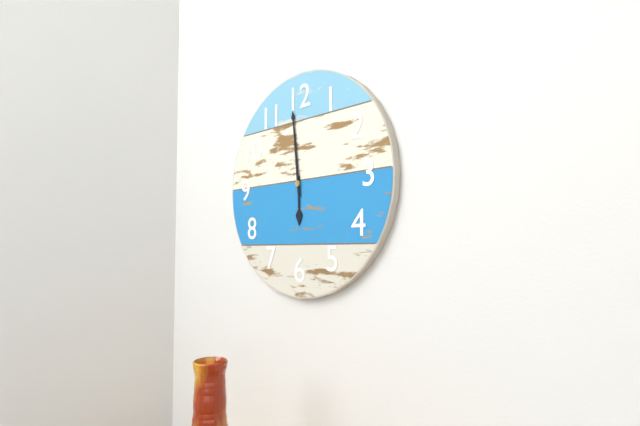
5.59
